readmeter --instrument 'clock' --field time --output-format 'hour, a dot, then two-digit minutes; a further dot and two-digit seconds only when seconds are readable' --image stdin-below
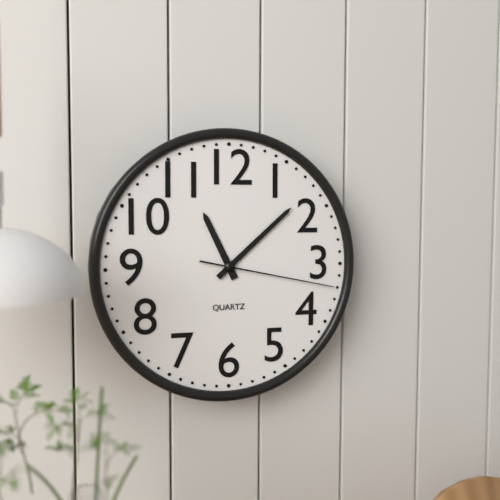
11.08.17
